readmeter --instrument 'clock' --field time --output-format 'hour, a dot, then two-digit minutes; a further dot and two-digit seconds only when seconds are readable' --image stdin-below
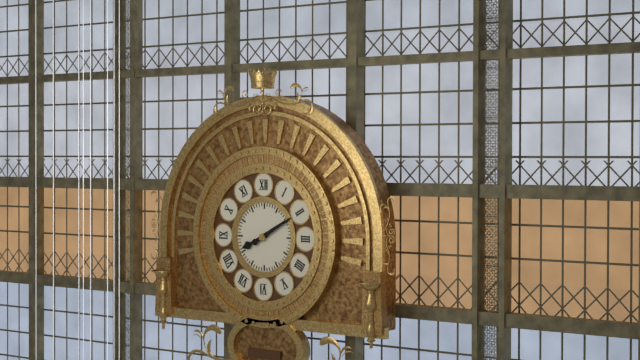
8.10
